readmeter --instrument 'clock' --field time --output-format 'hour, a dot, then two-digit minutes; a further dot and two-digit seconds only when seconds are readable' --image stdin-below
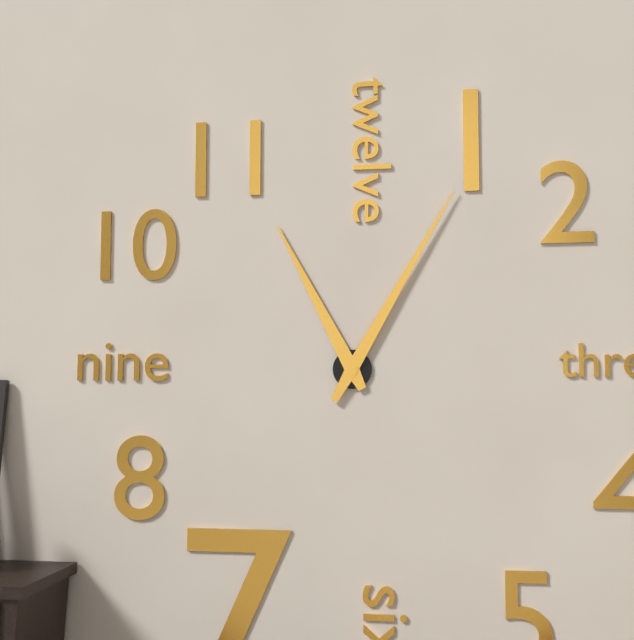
11.05
